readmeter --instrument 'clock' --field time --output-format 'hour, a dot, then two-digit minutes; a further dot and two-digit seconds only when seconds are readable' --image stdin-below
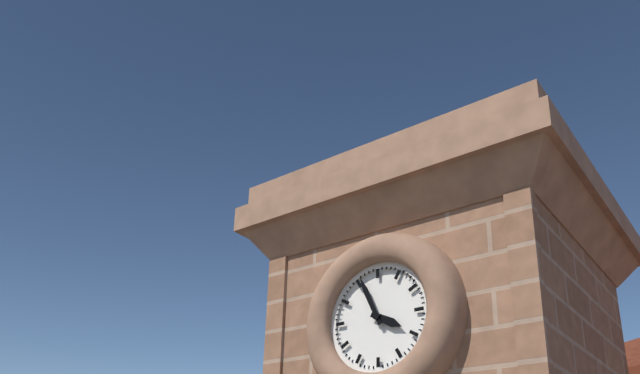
3.56
